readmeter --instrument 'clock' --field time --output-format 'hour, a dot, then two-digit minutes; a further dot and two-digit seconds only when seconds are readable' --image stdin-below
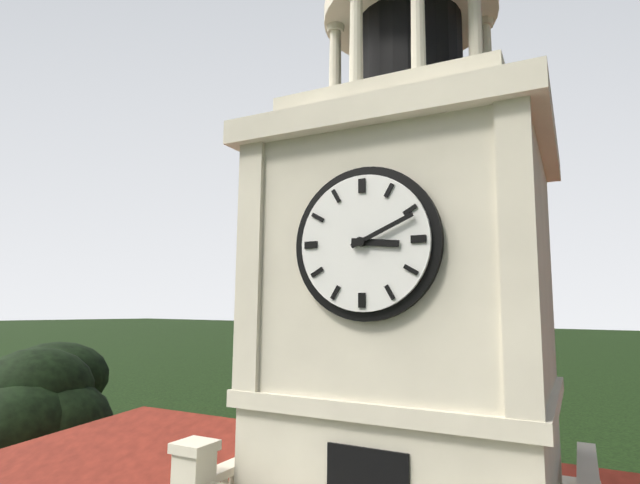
3.11
